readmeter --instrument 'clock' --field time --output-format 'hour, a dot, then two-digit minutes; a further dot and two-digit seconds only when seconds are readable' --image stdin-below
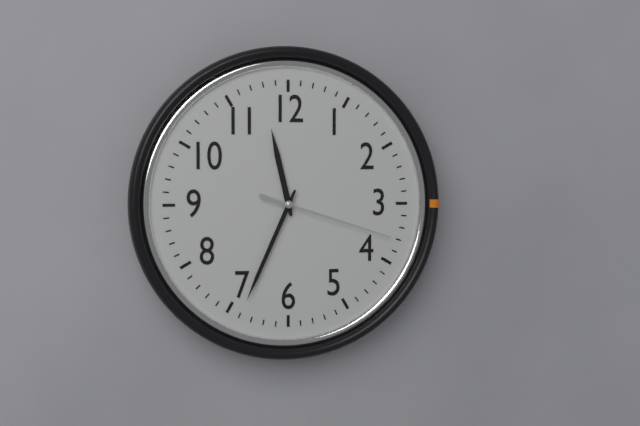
11.34.18
